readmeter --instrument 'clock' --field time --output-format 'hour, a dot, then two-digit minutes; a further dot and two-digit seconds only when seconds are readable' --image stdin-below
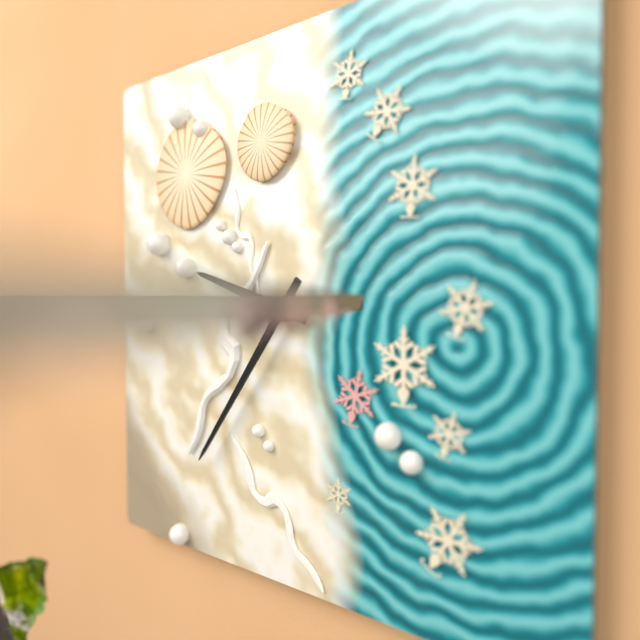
9.36
